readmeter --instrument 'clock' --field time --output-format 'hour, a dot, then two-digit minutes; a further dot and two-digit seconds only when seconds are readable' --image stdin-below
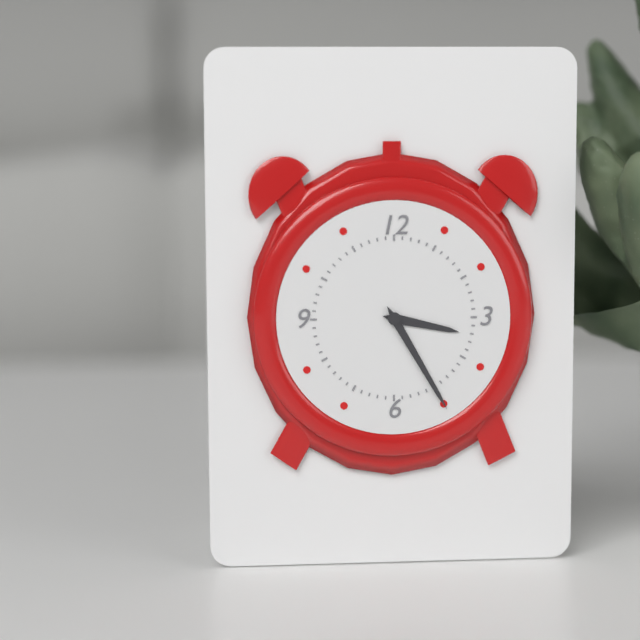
3.25
